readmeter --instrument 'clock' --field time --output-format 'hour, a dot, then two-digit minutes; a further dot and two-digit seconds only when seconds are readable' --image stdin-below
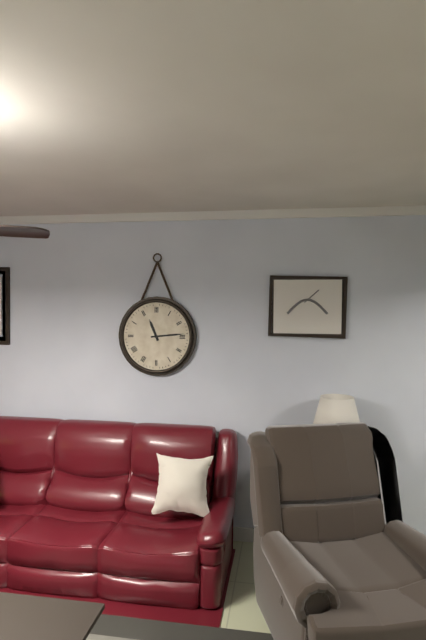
11.14
